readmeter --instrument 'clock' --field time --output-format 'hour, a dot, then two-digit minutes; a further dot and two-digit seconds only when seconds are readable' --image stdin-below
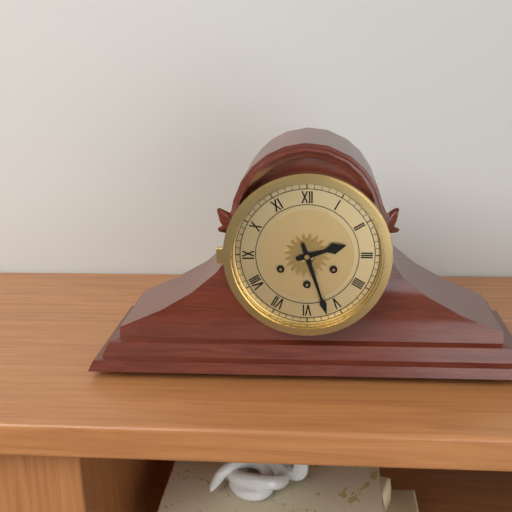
2.27
